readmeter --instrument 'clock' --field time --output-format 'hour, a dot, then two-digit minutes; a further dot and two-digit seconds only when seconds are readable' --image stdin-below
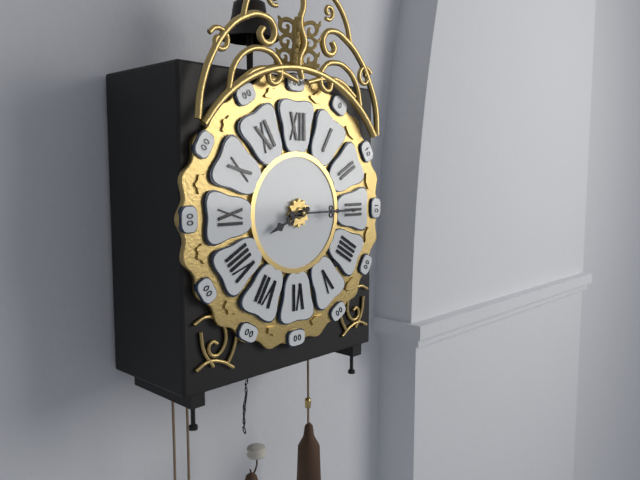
8.15
